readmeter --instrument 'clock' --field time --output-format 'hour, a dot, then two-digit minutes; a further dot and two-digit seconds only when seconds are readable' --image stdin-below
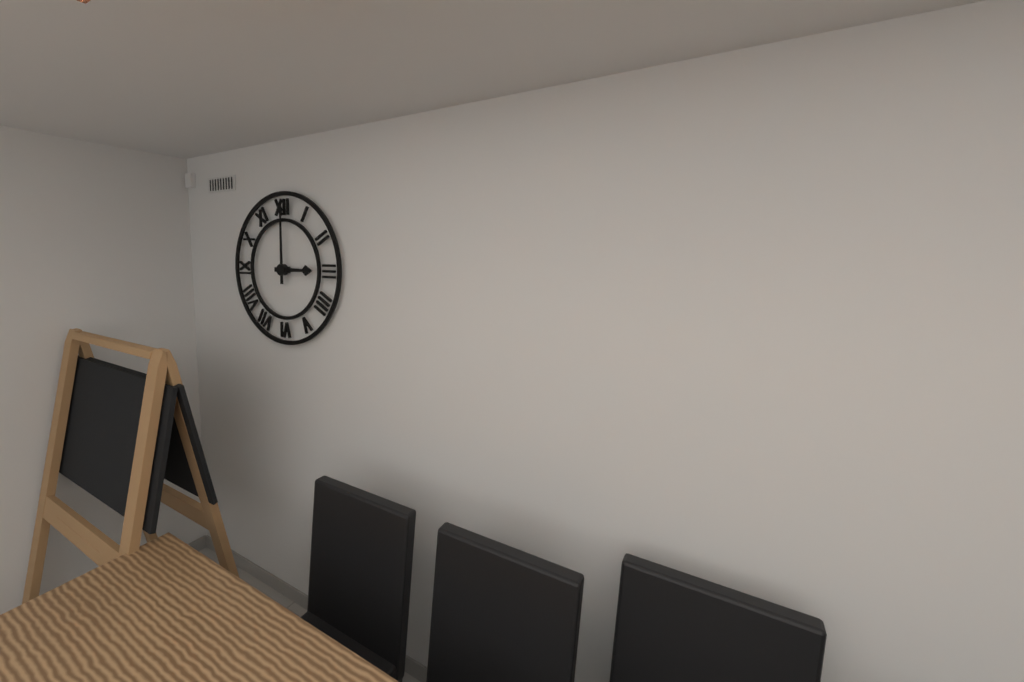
3.00
